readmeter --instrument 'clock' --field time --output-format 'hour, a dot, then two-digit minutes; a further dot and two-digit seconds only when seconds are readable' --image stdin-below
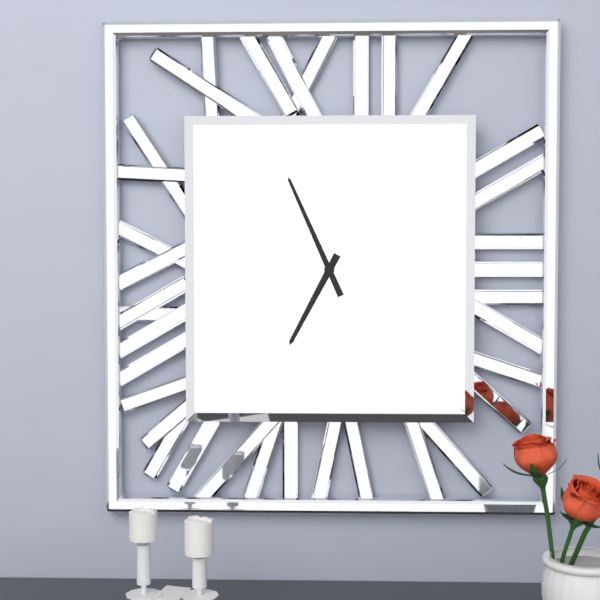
6.56
